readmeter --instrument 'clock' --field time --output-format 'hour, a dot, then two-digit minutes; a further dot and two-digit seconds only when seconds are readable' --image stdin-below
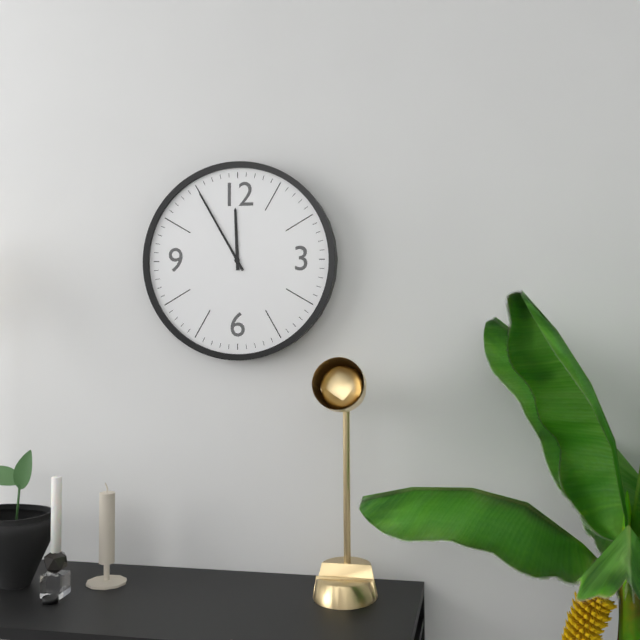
11.55
